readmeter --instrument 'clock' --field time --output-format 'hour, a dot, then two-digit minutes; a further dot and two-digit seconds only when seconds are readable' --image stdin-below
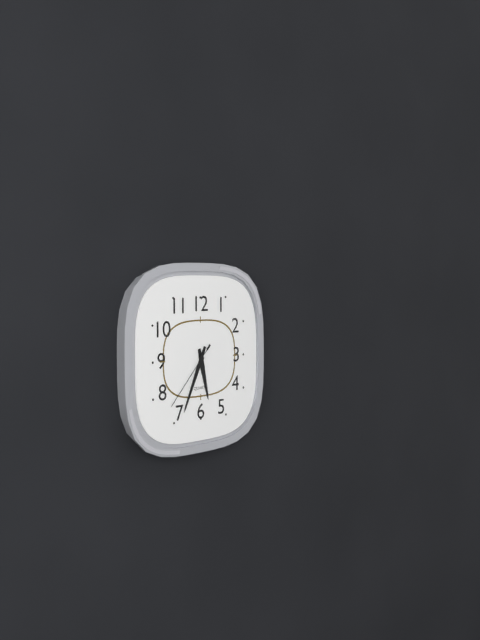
5.34.37
